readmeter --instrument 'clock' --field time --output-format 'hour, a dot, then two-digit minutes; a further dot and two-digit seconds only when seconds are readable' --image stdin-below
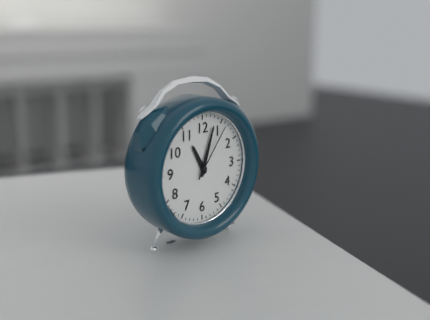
11.03.06
